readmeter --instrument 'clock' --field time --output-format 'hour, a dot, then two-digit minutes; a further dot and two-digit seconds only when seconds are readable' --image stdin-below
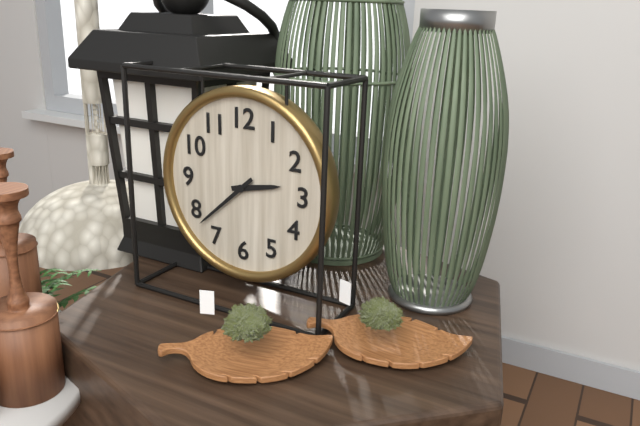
2.38
